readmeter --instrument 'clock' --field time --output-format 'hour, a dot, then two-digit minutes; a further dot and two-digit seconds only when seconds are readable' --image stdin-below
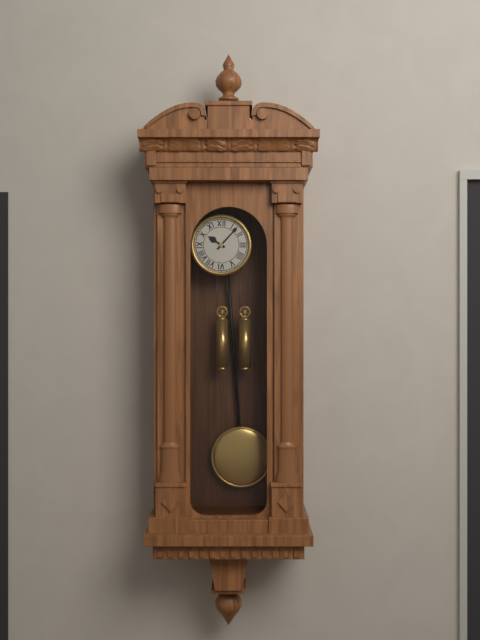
10.07
